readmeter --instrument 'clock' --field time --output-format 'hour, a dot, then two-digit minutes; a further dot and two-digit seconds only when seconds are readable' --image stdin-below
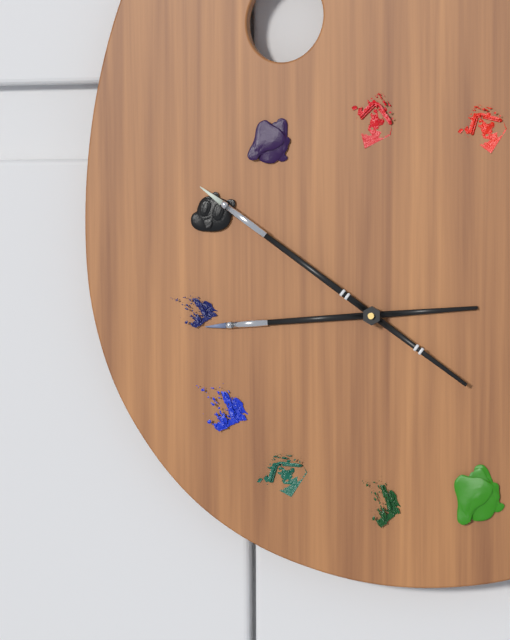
8.51
